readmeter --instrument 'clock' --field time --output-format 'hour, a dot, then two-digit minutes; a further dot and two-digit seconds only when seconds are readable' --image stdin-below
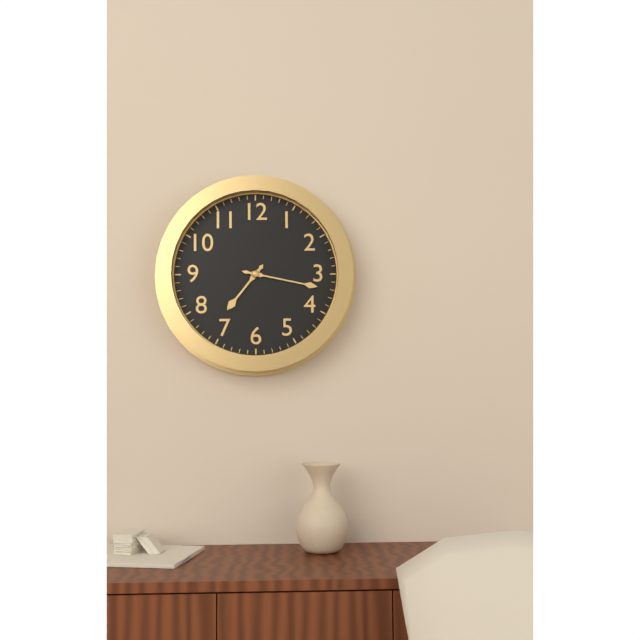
7.17
